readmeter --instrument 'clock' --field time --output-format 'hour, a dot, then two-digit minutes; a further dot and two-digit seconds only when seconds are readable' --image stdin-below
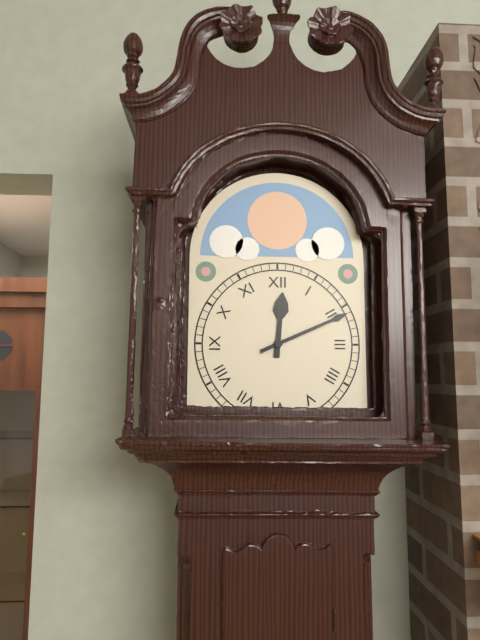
12.11
